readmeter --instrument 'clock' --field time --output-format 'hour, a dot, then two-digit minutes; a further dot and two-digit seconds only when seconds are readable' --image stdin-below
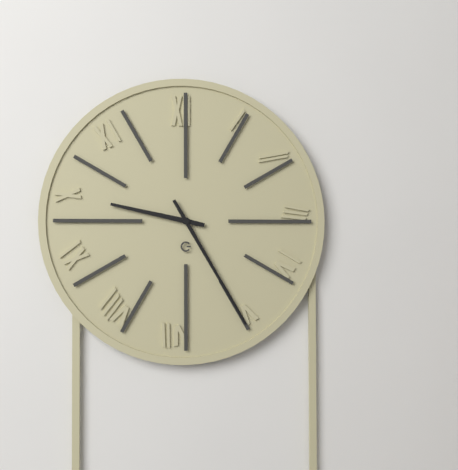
9.25
